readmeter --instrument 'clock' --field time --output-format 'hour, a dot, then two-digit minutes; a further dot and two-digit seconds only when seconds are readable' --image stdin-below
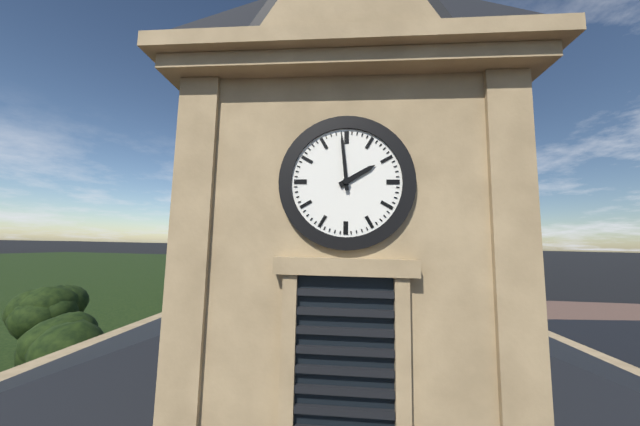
1.59
